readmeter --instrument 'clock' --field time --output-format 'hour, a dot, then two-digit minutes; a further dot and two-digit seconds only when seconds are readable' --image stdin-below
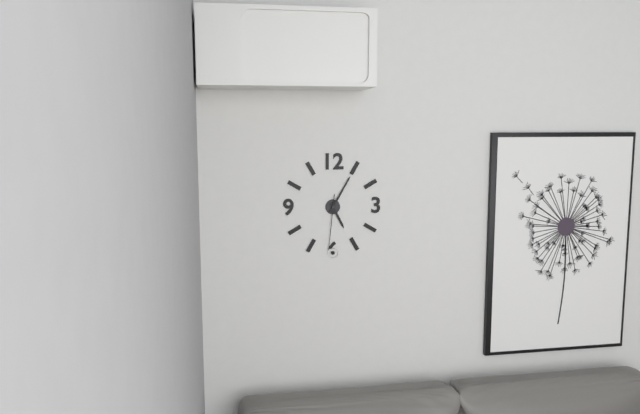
5.05.31
